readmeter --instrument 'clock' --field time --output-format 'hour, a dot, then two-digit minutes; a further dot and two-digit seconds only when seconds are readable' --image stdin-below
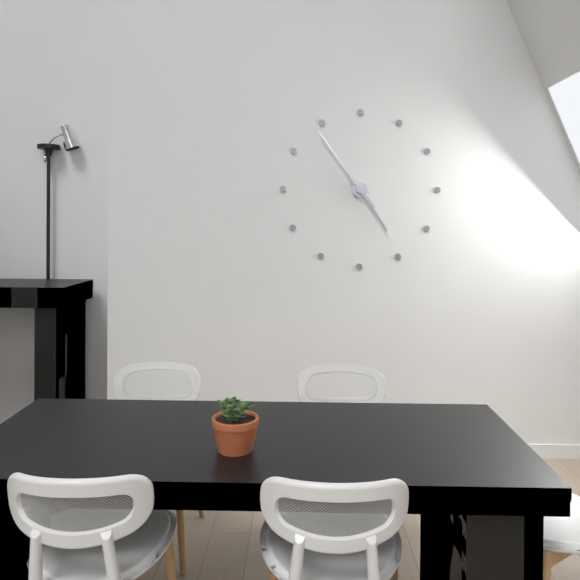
4.54
